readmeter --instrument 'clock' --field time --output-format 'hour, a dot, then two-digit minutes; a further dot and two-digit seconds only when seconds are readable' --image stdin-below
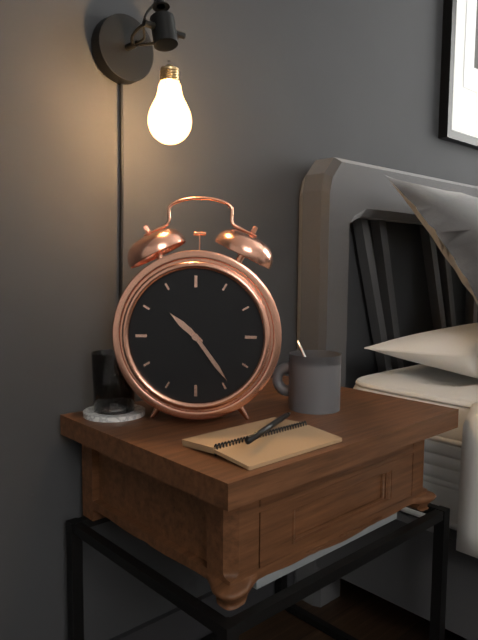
10.24
